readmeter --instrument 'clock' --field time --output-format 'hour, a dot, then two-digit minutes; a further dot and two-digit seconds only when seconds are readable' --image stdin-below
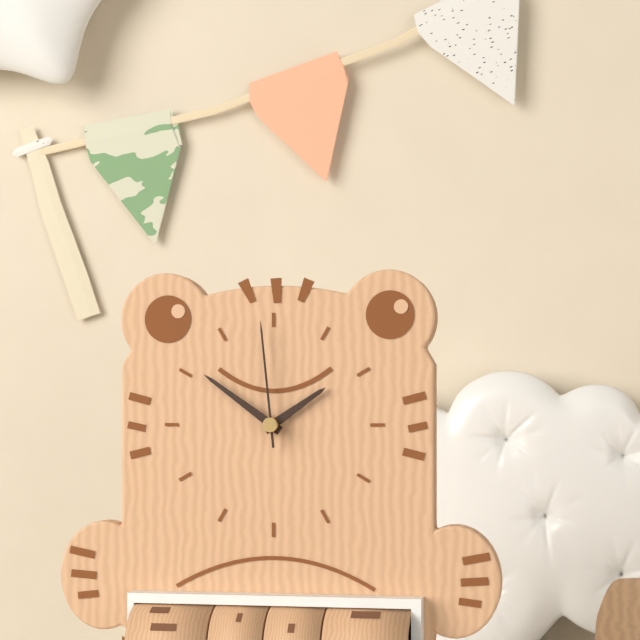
1.51.59
